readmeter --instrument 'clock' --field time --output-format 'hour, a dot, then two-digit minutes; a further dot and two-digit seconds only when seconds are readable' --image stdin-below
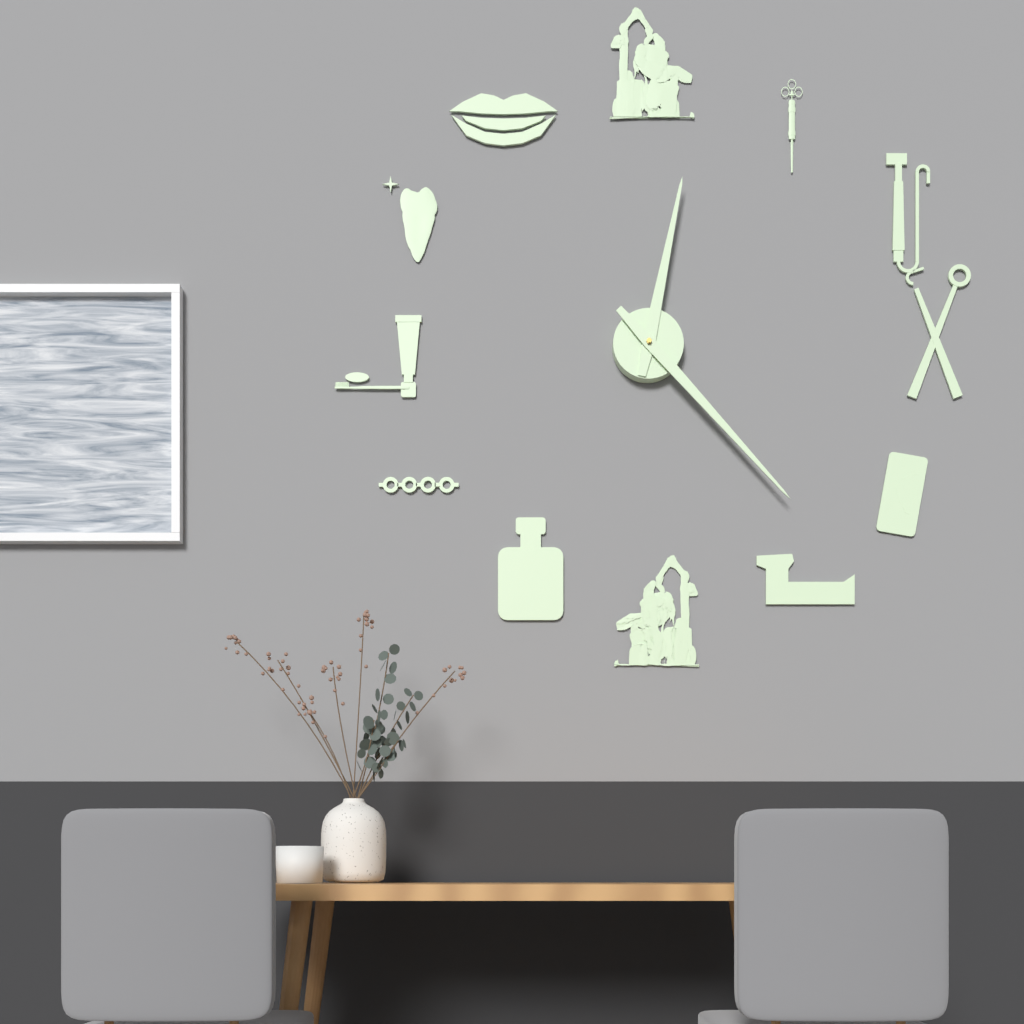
12.23
